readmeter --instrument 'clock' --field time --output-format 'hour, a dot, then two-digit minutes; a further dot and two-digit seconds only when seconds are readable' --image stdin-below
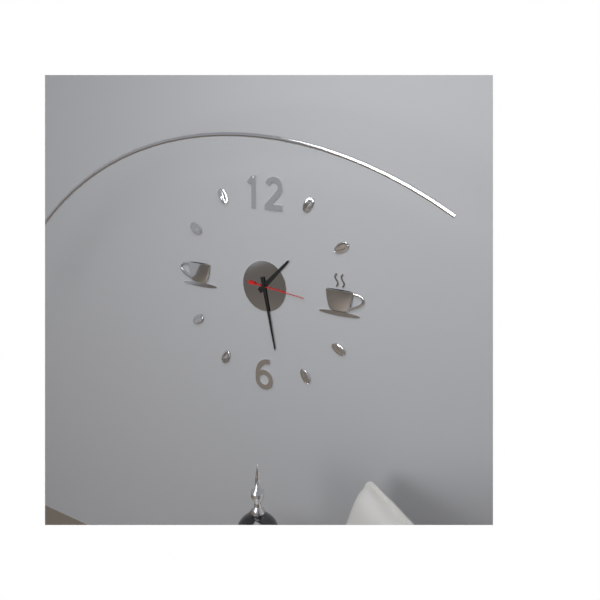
1.28.16
